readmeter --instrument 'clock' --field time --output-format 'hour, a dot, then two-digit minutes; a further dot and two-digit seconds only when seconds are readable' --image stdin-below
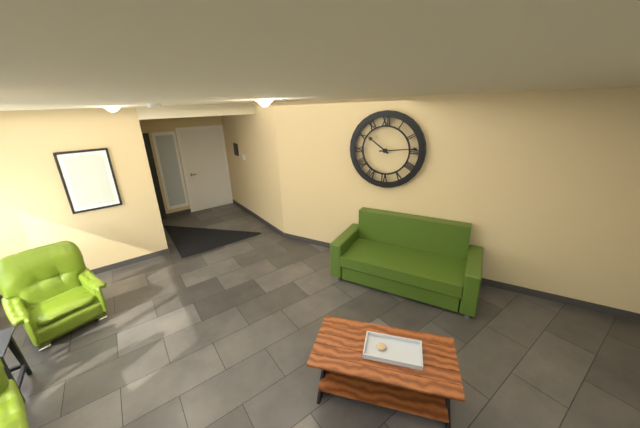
10.14
